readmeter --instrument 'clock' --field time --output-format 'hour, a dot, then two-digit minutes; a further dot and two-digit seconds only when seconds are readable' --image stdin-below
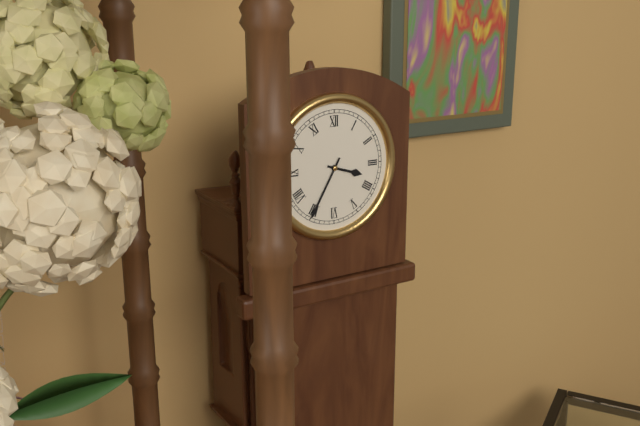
3.35
